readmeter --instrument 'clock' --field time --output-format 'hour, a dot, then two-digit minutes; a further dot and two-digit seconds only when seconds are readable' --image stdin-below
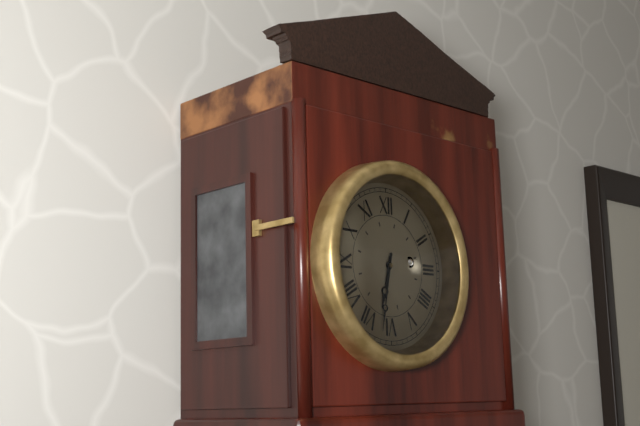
6.32
